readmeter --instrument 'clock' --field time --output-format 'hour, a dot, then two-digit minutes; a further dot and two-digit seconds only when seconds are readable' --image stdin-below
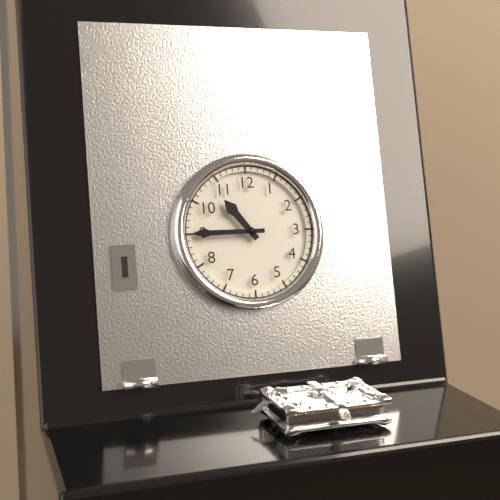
10.45
